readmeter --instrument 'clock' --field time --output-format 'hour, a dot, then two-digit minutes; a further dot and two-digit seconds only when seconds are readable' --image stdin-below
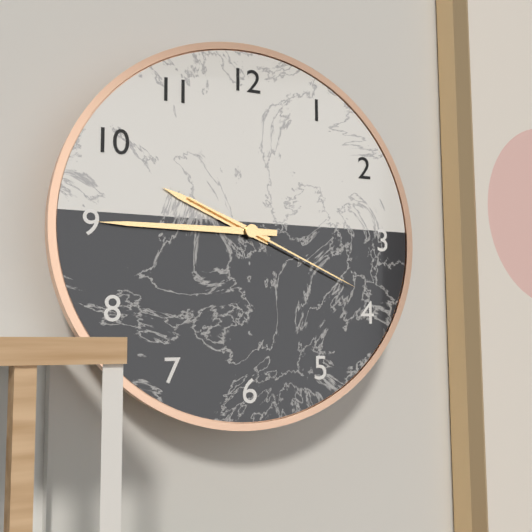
9.45.19
